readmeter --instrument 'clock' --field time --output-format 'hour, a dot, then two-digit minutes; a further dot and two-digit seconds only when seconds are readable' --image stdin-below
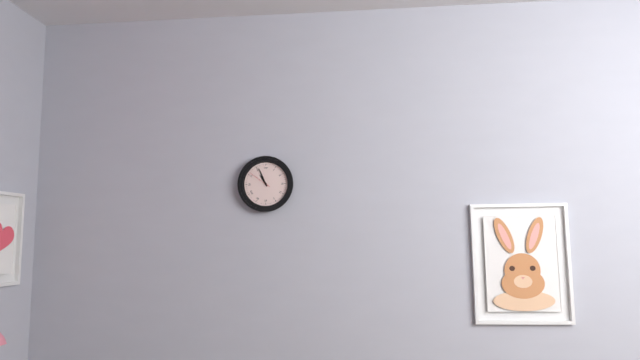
10.56
